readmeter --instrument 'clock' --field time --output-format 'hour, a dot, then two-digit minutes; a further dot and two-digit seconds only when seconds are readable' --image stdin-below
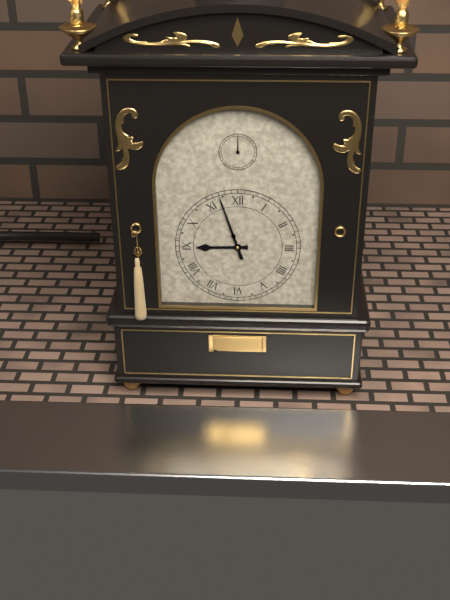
8.57
